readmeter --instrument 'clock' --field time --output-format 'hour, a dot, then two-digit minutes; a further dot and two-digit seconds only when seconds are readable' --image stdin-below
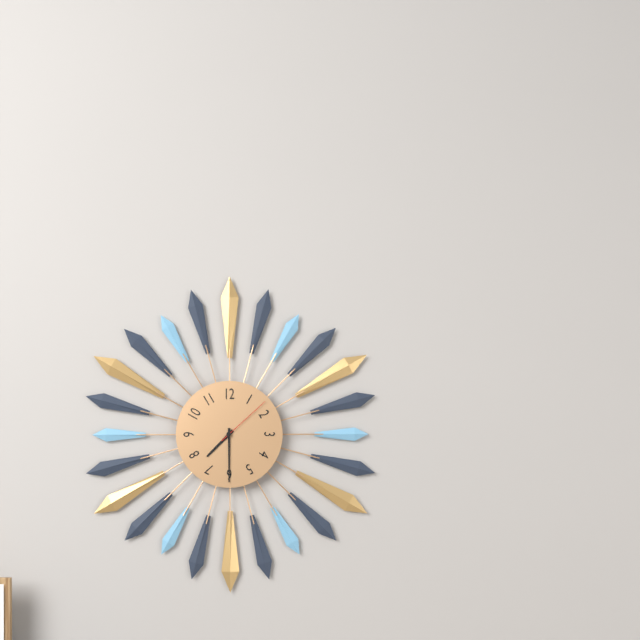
7.30.08
